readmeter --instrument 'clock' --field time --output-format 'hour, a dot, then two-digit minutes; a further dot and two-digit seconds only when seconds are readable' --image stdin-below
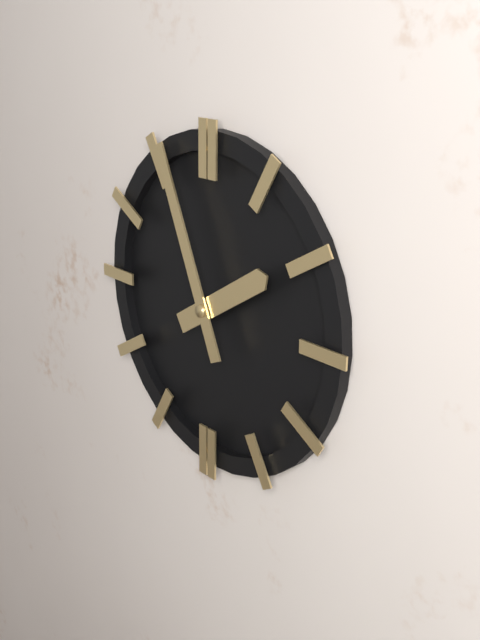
1.56
